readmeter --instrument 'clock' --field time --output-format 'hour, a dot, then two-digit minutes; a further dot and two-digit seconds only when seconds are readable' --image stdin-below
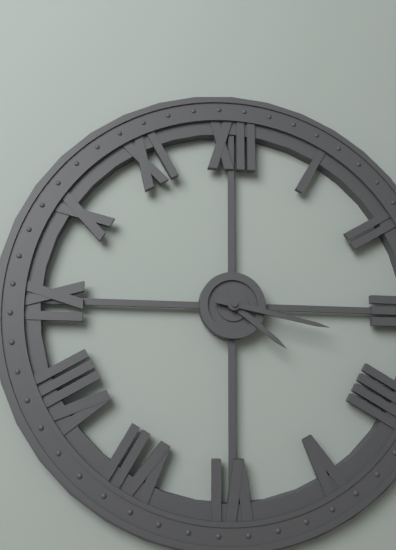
4.17
